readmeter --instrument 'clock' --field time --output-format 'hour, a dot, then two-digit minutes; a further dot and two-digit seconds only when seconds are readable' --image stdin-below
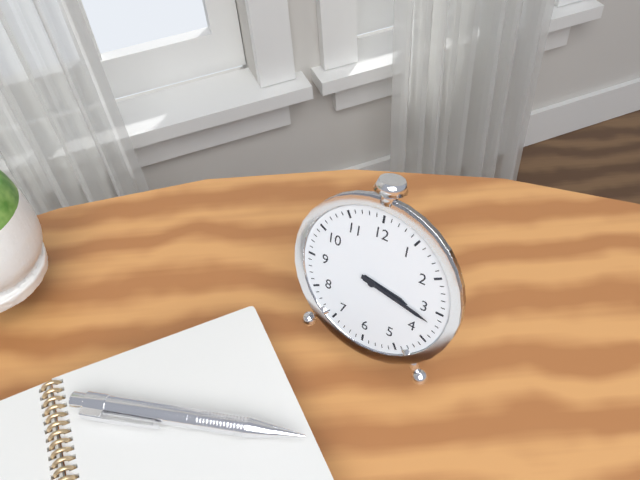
3.17
